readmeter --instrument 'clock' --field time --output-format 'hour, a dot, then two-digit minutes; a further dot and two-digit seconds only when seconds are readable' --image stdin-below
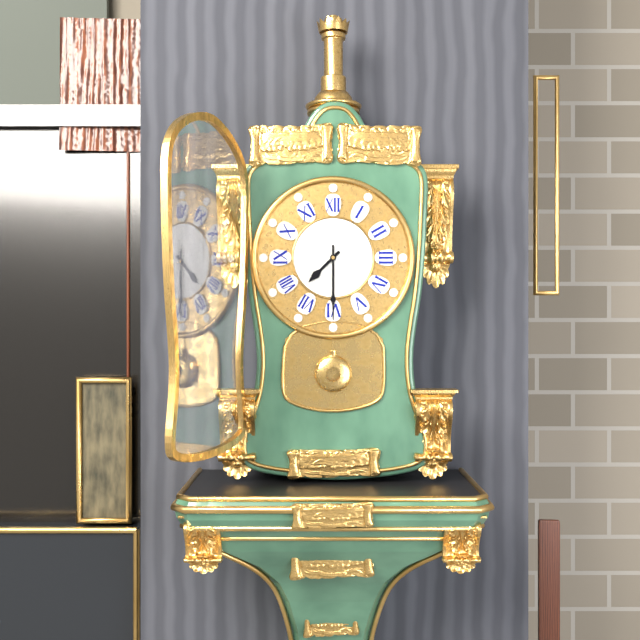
7.30
